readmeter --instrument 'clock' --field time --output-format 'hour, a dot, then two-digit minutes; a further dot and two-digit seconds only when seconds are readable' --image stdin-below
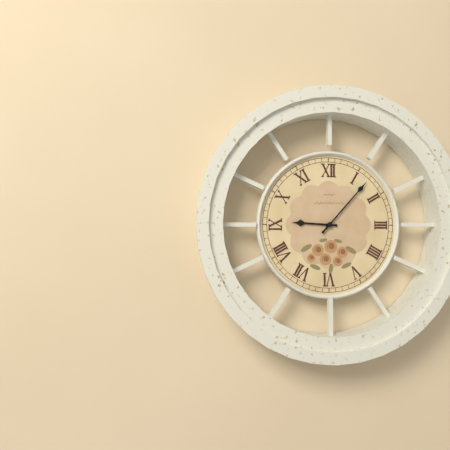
9.07
